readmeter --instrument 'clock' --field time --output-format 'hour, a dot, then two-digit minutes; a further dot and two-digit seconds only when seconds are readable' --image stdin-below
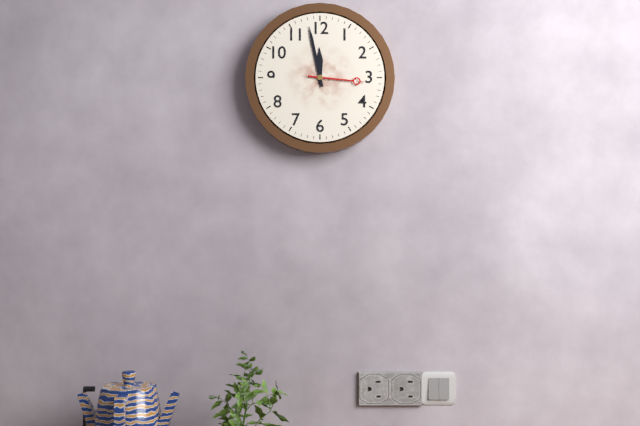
11.58.16
